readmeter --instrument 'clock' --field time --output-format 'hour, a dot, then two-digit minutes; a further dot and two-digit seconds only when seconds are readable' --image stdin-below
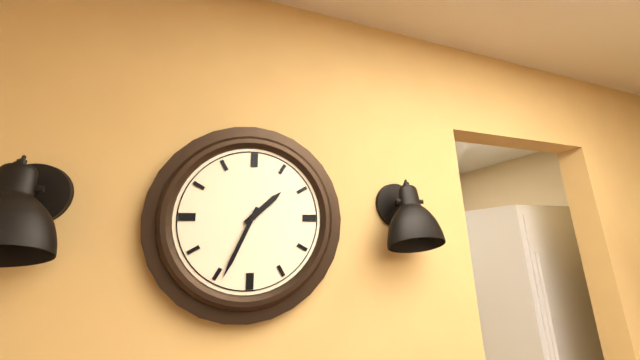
1.34
